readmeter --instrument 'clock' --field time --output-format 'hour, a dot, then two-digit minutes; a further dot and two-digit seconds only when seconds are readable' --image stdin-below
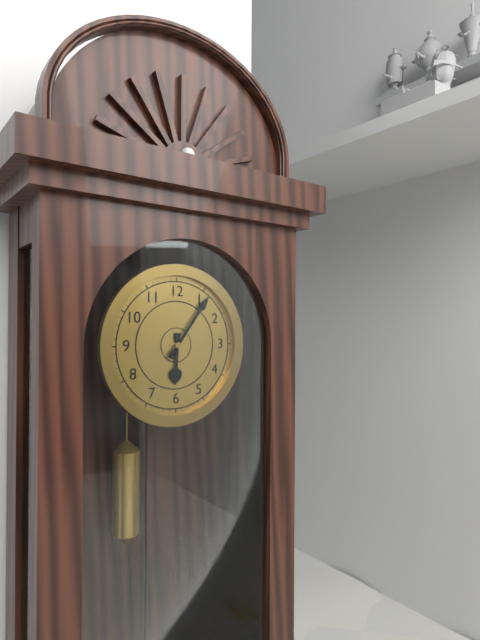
6.06
